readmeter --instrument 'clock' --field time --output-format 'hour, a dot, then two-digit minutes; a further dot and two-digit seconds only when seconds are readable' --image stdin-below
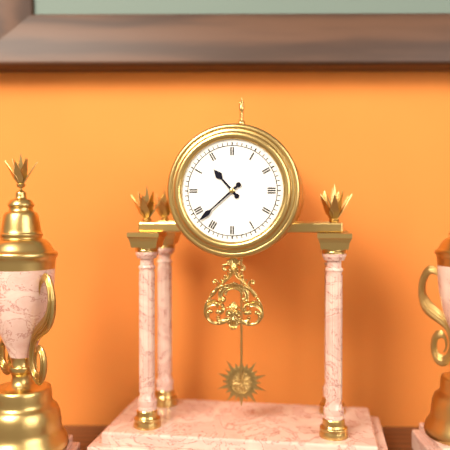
10.38
